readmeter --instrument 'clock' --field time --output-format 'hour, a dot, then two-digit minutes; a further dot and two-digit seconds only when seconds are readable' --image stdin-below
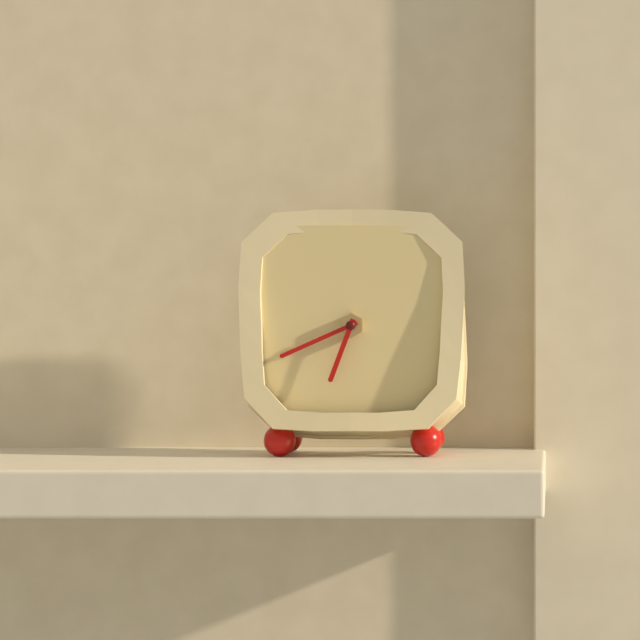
6.41
